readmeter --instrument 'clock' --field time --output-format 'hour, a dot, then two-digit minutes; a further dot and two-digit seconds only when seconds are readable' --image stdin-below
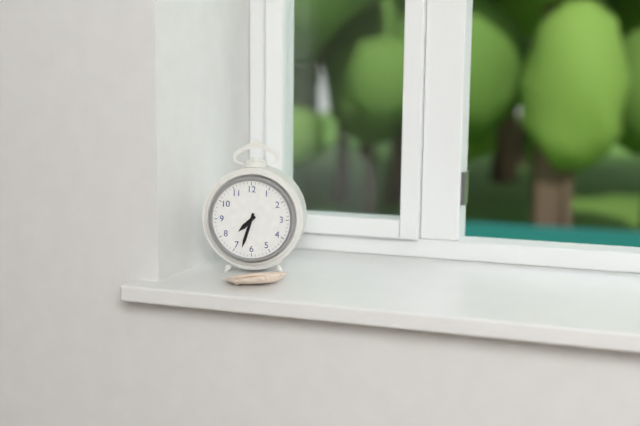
7.33
